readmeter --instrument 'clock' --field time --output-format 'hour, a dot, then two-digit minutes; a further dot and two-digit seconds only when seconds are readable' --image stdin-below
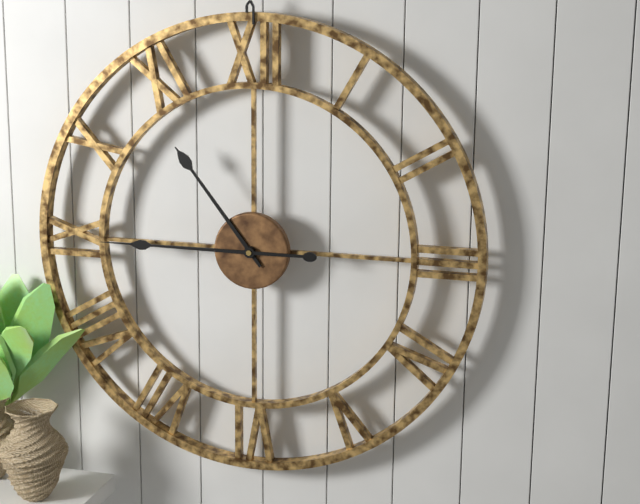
10.45
